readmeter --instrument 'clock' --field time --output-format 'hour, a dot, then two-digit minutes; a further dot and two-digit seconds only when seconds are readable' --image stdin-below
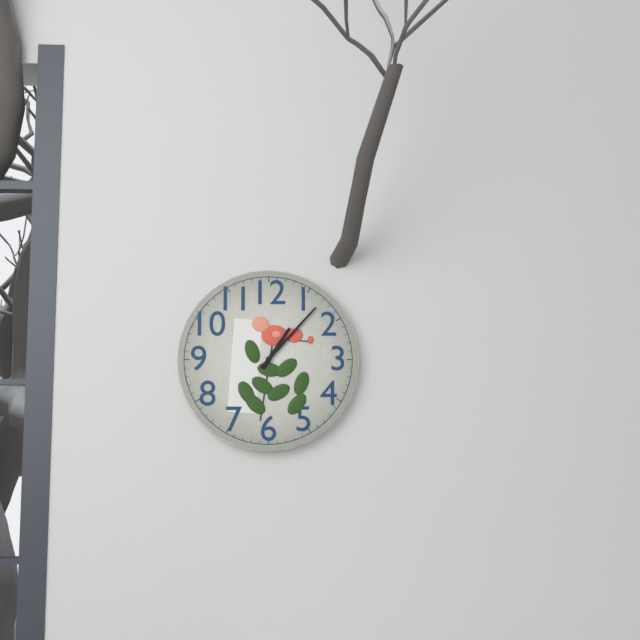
1.07
